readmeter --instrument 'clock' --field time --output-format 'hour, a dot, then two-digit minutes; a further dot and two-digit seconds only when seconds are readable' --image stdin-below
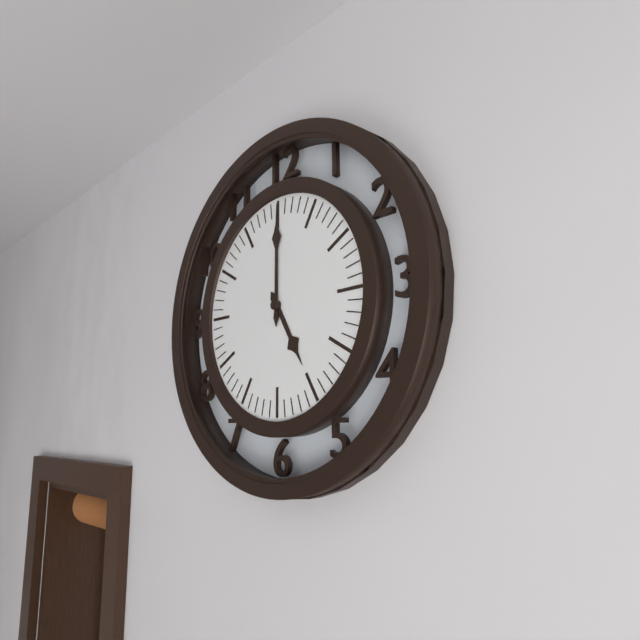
5.00
